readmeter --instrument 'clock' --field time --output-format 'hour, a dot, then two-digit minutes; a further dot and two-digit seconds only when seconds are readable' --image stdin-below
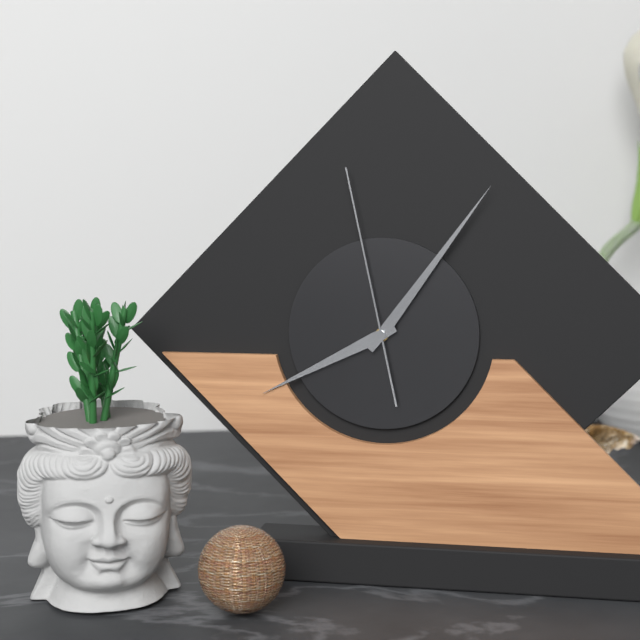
8.06.58
